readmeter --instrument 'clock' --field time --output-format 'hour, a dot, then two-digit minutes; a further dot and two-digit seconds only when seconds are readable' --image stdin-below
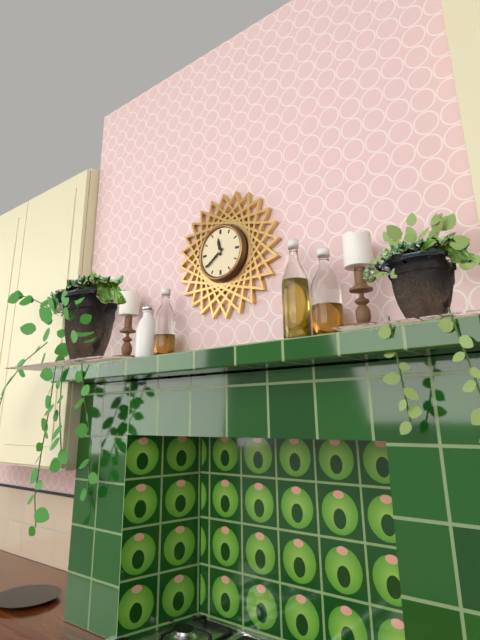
11.39
